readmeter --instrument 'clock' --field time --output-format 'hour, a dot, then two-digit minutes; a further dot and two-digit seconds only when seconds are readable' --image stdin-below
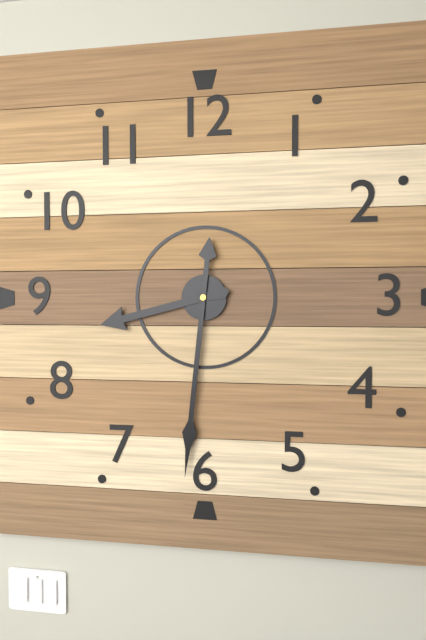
8.31
